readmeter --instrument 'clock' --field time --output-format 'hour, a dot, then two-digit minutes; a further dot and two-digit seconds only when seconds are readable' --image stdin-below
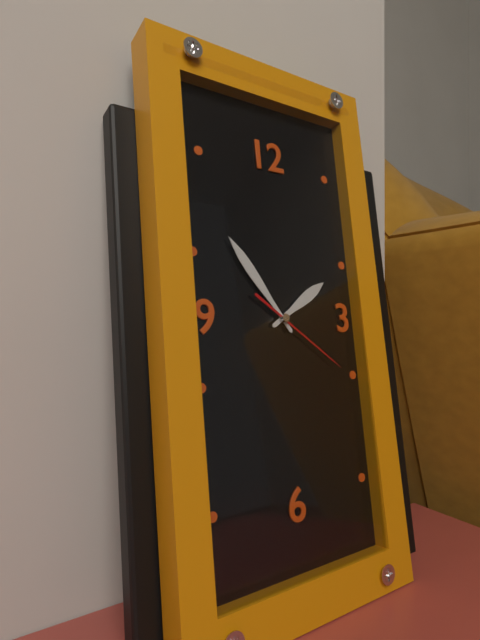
1.54.21
